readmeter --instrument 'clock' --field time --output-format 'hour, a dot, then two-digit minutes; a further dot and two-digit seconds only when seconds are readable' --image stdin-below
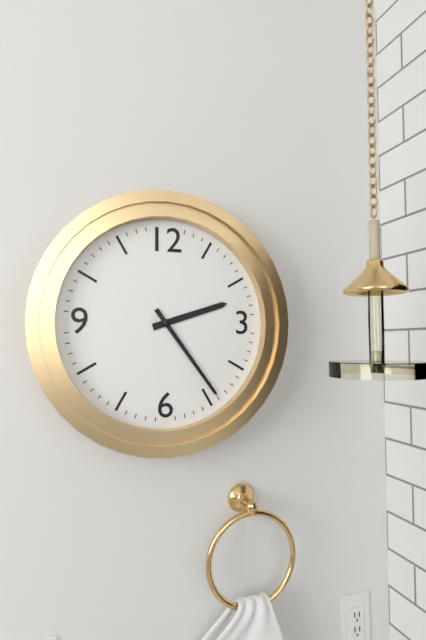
2.24
